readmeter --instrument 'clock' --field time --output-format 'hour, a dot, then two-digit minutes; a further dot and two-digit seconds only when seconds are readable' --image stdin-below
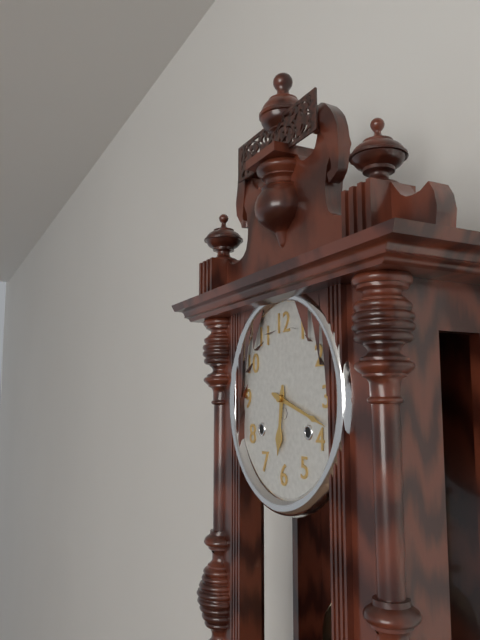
6.18
